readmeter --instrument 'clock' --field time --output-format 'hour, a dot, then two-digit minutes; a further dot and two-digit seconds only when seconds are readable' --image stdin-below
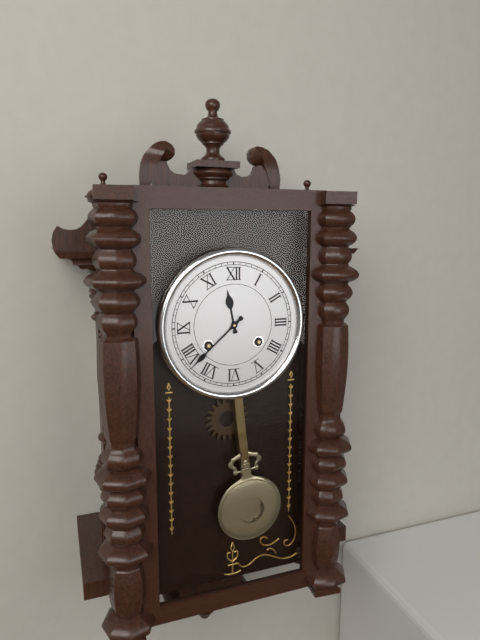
11.38
